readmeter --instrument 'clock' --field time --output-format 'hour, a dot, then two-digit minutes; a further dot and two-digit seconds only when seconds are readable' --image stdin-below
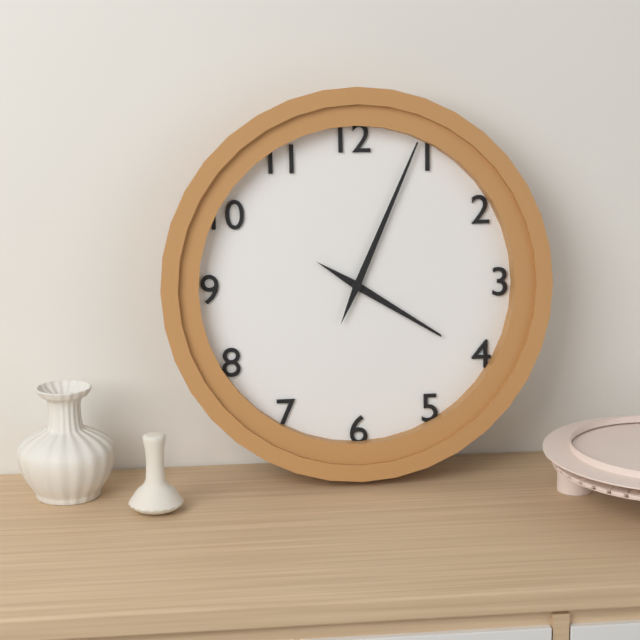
4.04
